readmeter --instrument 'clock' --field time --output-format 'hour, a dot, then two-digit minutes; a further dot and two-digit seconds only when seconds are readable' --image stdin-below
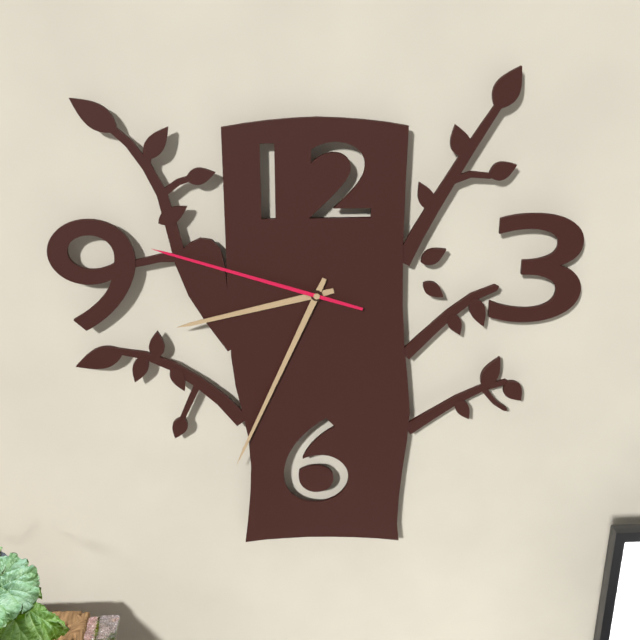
8.34.48
